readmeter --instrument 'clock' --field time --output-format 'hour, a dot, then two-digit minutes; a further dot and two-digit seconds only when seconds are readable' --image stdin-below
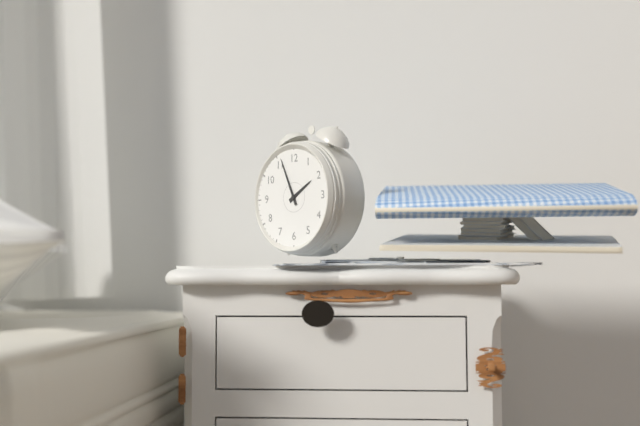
1.56
